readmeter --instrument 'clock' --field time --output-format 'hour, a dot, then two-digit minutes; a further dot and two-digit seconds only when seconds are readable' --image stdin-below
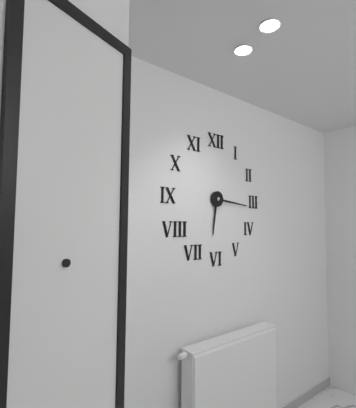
6.16
